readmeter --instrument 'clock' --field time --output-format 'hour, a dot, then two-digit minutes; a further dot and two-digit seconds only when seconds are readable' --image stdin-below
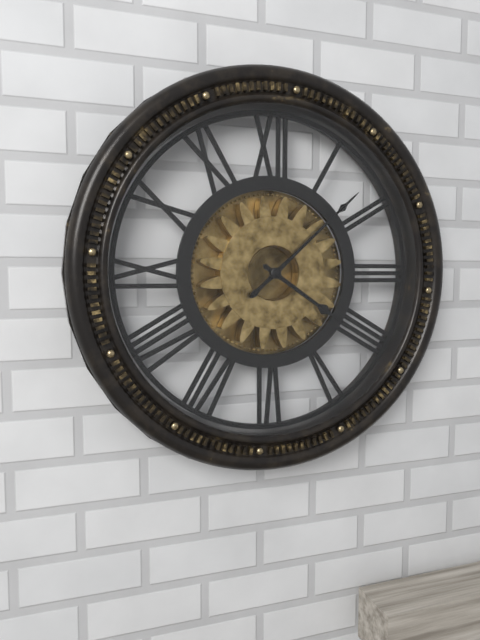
4.08
